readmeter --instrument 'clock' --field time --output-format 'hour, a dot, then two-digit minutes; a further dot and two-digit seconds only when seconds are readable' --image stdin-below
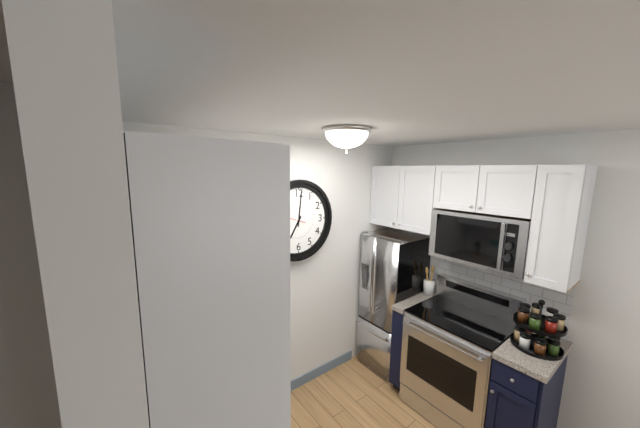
7.01
